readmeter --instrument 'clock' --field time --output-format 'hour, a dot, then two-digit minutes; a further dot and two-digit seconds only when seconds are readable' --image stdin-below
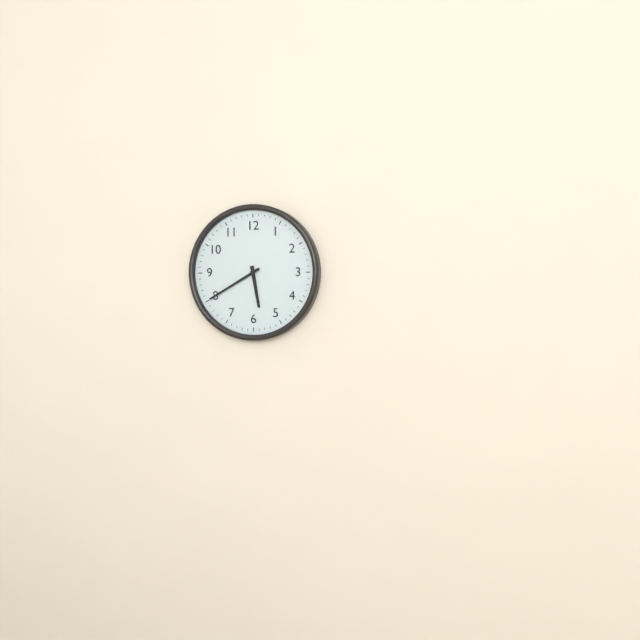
5.40
